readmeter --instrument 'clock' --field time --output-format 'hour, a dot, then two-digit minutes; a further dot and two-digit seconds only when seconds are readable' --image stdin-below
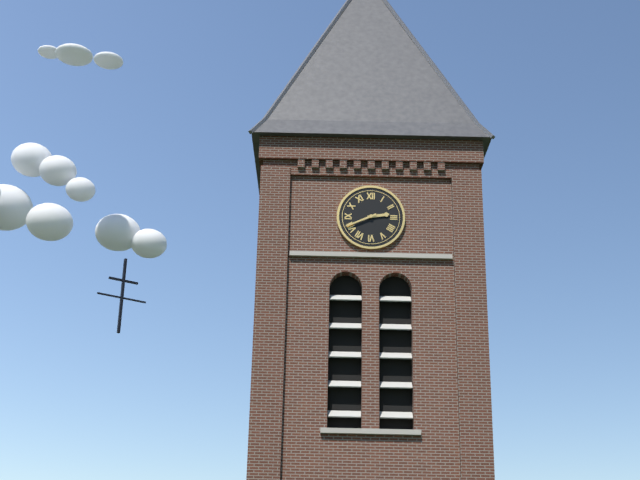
2.41
